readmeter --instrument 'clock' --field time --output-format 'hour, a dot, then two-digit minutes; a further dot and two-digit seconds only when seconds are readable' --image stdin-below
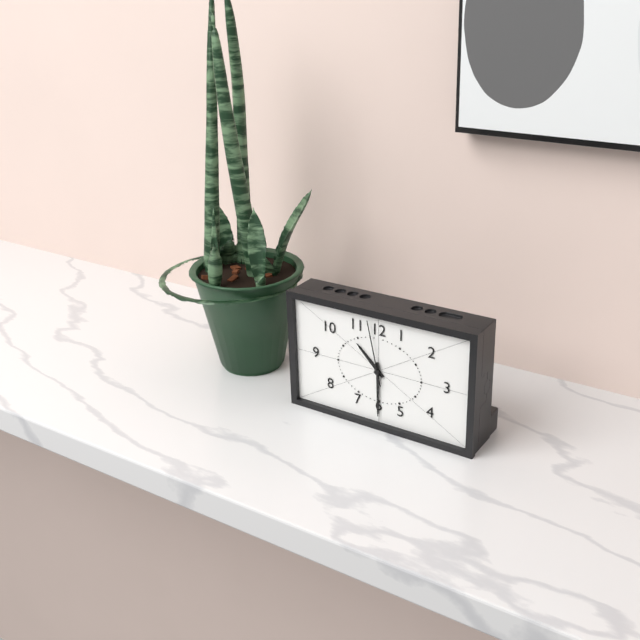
10.30.58
